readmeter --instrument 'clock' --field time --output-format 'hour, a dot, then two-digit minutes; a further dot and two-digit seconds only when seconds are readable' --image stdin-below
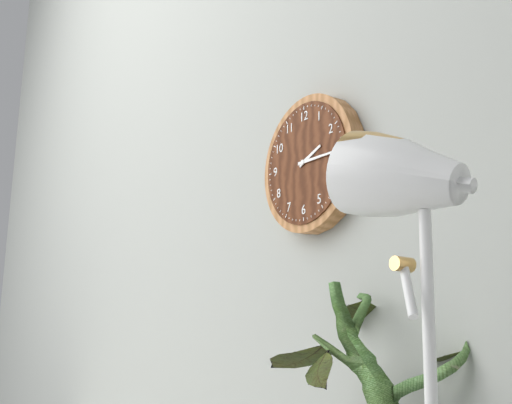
2.15
